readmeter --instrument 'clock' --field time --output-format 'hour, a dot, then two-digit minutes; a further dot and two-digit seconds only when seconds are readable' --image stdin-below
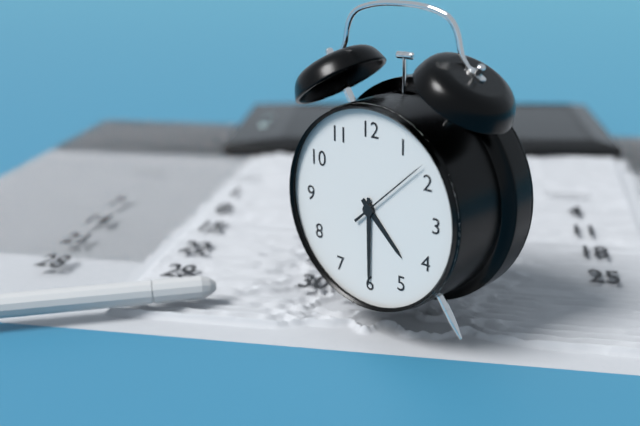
4.30.08
